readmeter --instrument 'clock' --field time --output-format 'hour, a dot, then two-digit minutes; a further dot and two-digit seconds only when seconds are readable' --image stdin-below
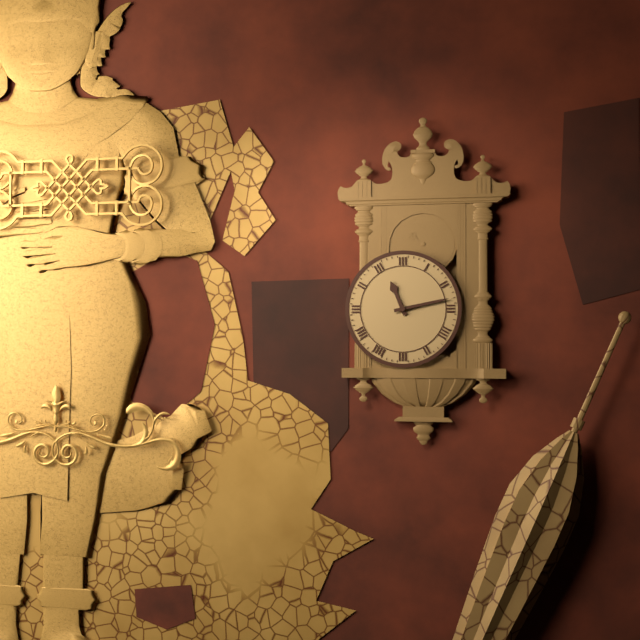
11.13
